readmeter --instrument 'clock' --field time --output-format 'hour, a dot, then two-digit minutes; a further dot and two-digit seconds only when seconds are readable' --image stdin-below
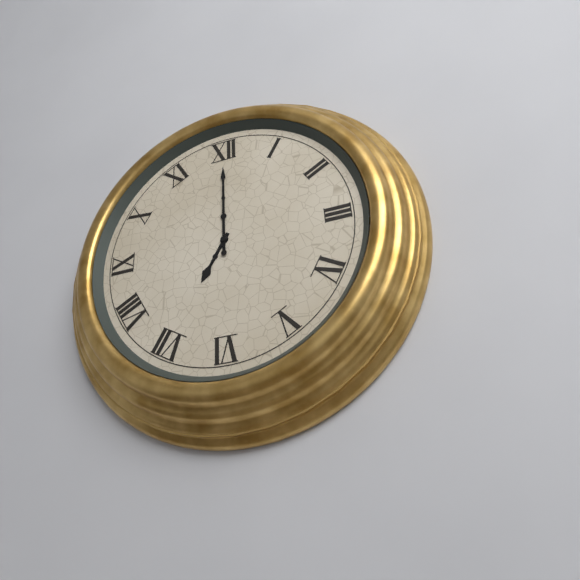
7.00
